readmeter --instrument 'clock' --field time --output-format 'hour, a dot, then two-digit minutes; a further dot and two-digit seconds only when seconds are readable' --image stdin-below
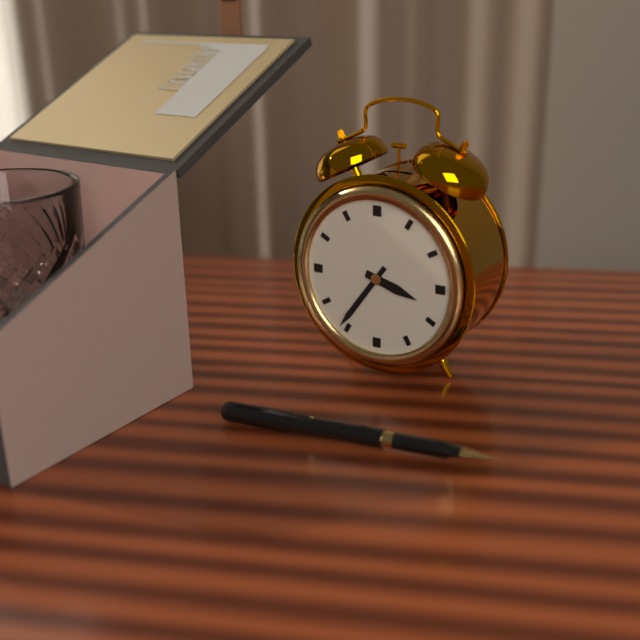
3.36
